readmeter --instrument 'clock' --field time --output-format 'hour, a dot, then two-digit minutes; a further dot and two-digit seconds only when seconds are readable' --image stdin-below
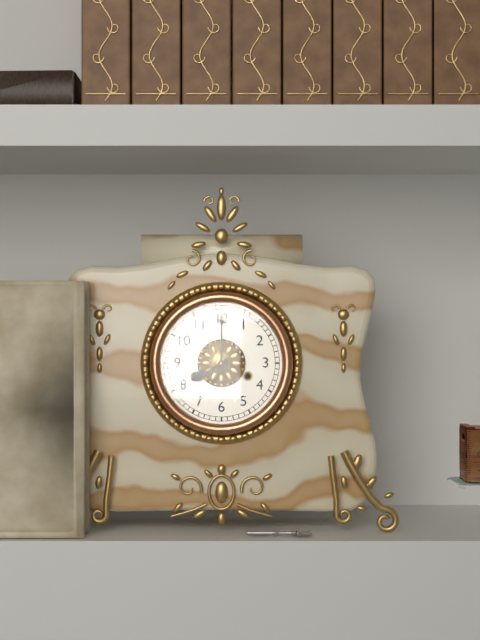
8.00
